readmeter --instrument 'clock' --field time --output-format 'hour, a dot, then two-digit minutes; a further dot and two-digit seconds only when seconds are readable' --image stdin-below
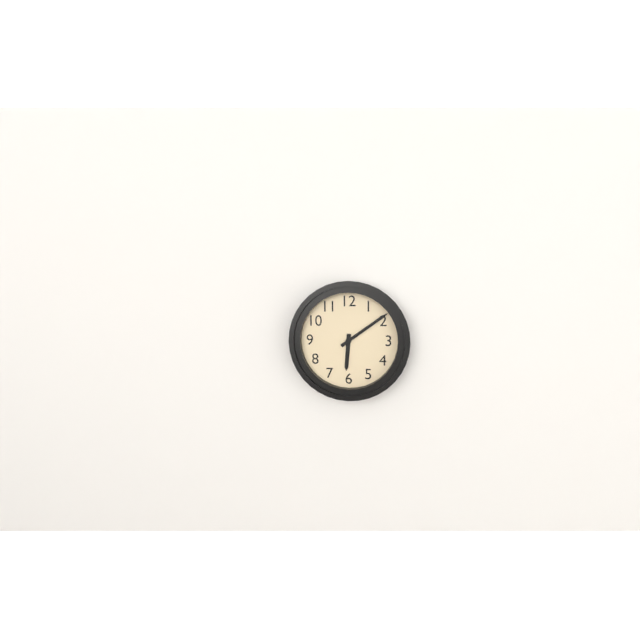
6.09
